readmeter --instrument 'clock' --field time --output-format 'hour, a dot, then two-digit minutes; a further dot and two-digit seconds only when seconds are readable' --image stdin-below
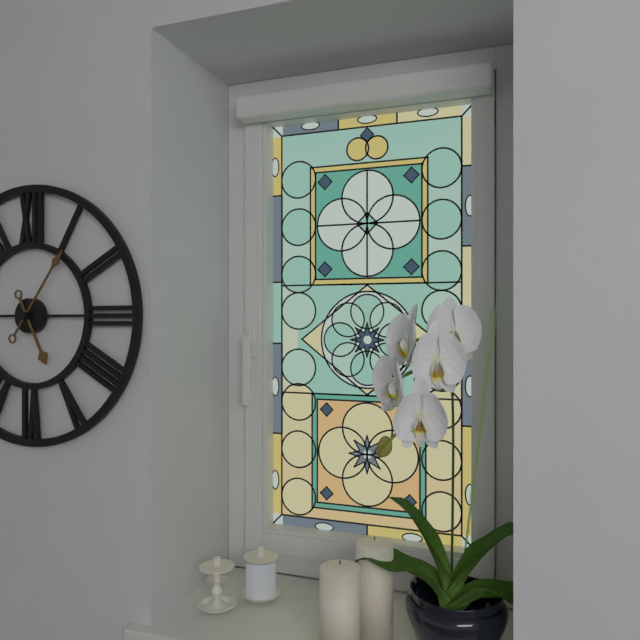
5.06
